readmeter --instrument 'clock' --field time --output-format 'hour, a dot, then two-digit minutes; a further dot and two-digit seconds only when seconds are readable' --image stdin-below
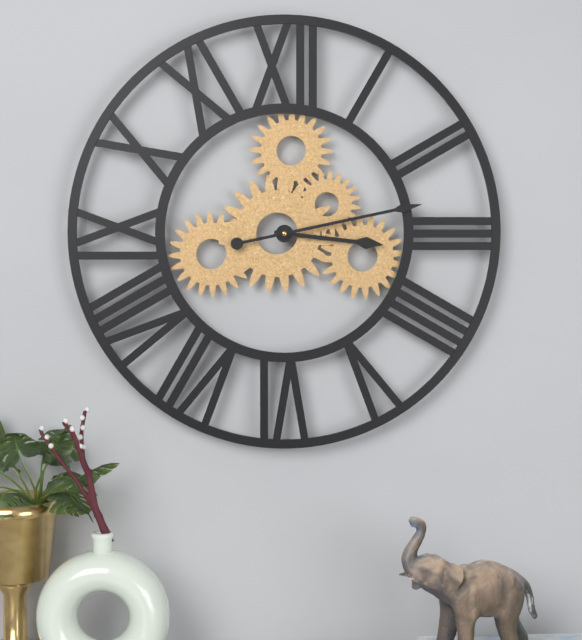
3.13
